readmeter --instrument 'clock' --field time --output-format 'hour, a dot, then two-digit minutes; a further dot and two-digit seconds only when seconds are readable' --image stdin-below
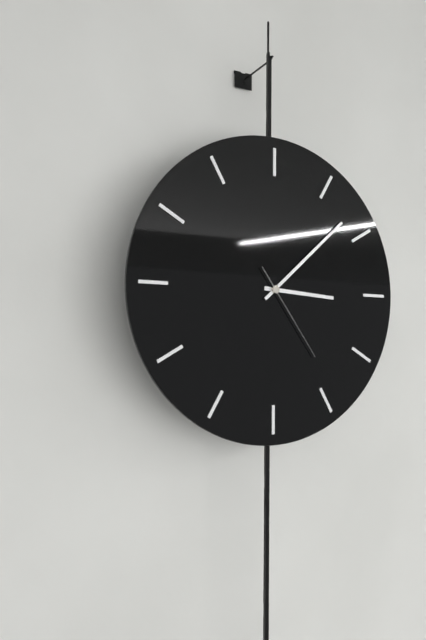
3.08.24
